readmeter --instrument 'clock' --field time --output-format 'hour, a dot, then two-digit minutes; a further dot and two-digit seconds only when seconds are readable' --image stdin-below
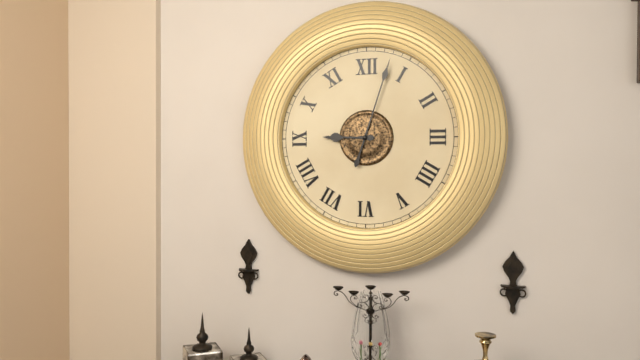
9.03
